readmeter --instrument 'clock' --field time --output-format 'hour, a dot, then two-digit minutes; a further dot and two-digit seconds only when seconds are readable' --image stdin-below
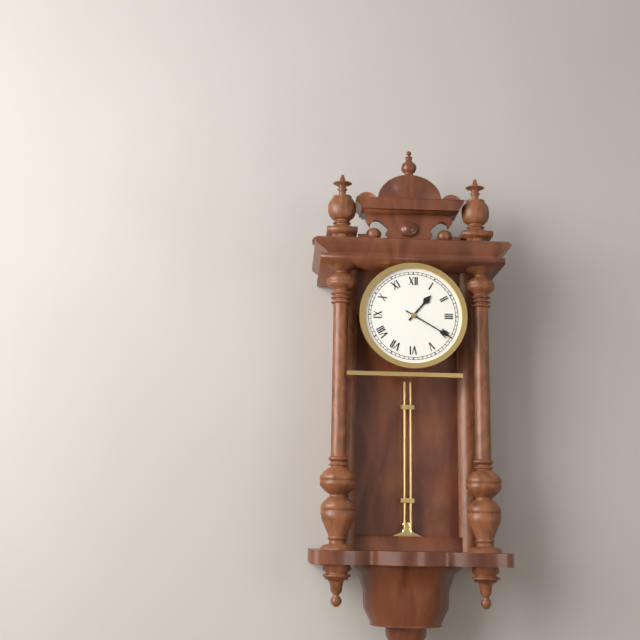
1.20
